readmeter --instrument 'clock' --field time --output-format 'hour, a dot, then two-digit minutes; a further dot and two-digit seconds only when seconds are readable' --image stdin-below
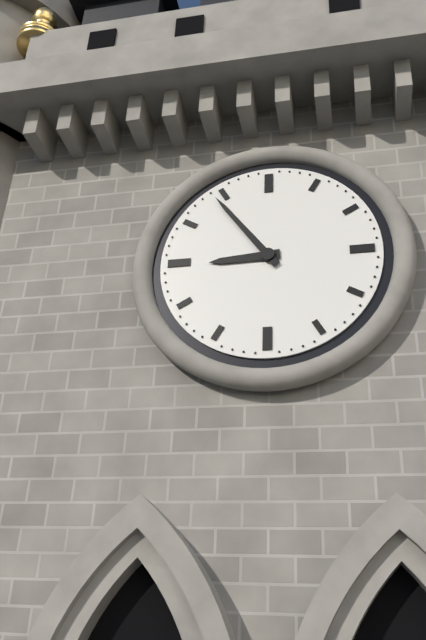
8.54
